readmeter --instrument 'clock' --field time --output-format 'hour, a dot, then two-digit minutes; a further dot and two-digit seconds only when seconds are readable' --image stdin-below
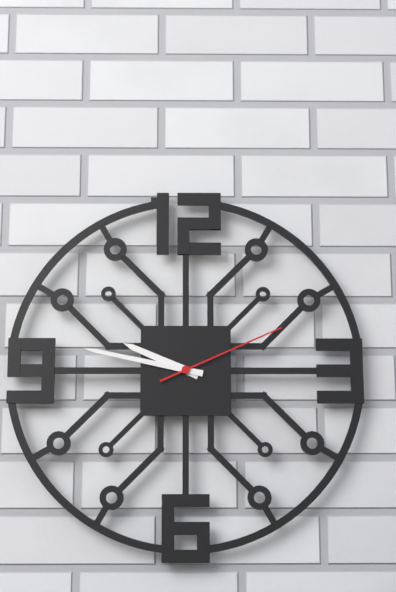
9.47.11
